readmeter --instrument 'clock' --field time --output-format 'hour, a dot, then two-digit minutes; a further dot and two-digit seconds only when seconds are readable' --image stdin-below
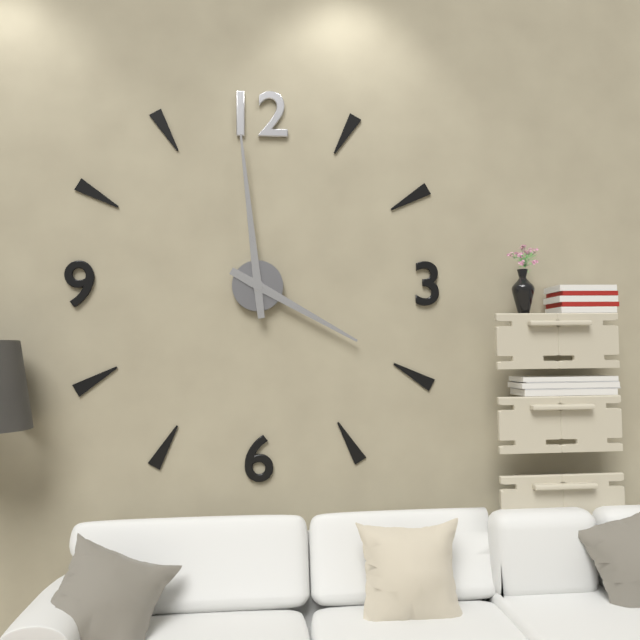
3.59
